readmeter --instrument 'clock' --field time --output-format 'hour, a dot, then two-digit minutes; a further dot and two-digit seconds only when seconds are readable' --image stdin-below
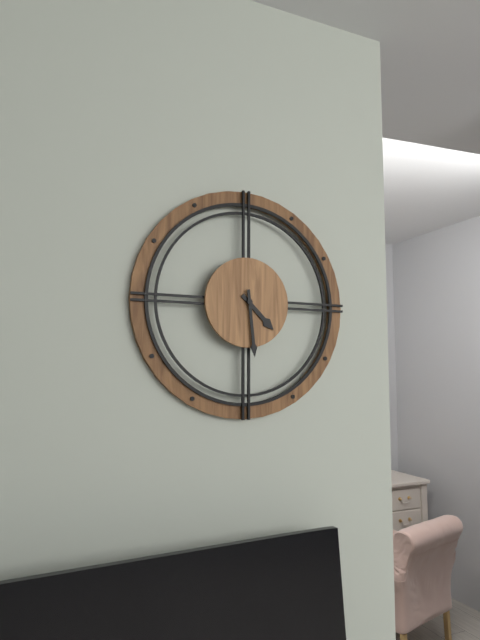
4.29
